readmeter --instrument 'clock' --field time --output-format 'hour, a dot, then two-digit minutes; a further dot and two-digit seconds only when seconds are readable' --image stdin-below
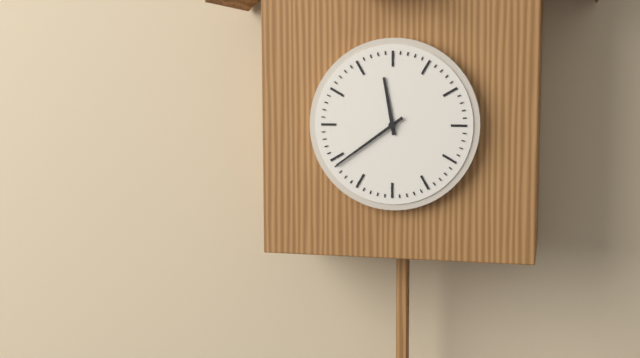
11.39
